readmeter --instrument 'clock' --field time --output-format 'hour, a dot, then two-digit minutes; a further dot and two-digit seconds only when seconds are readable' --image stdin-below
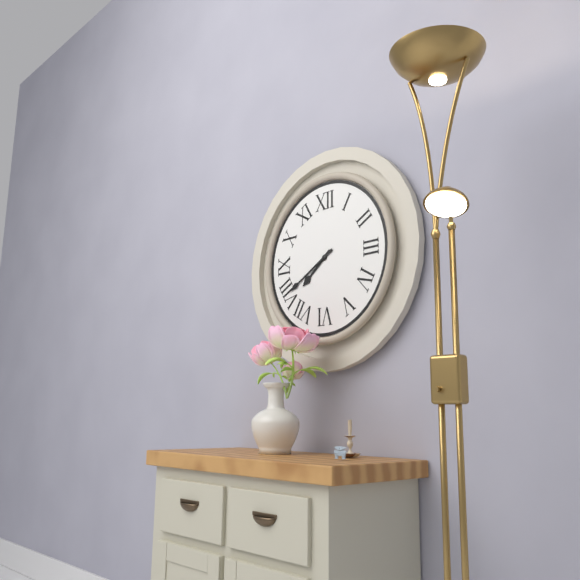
7.40
